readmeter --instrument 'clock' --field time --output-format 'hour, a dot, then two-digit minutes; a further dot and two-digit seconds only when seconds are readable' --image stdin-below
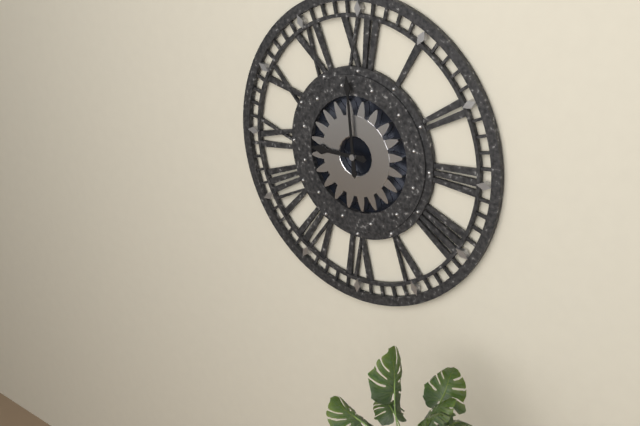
8.59
